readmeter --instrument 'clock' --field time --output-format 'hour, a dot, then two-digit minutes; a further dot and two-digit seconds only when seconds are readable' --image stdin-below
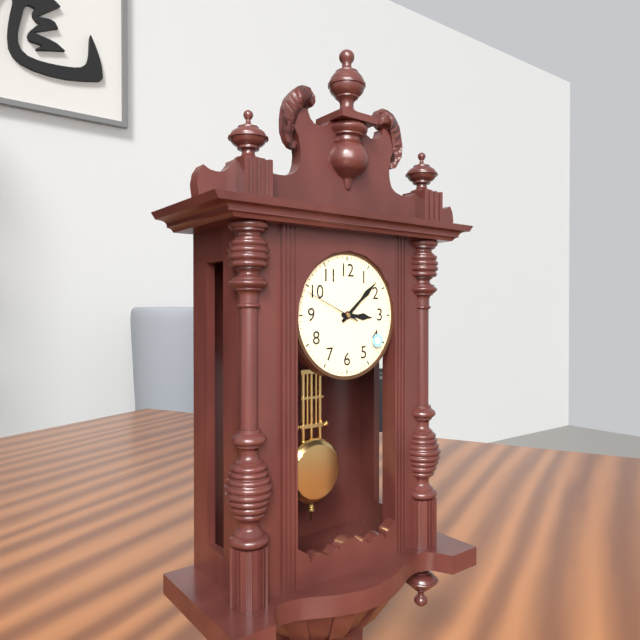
3.08.49
